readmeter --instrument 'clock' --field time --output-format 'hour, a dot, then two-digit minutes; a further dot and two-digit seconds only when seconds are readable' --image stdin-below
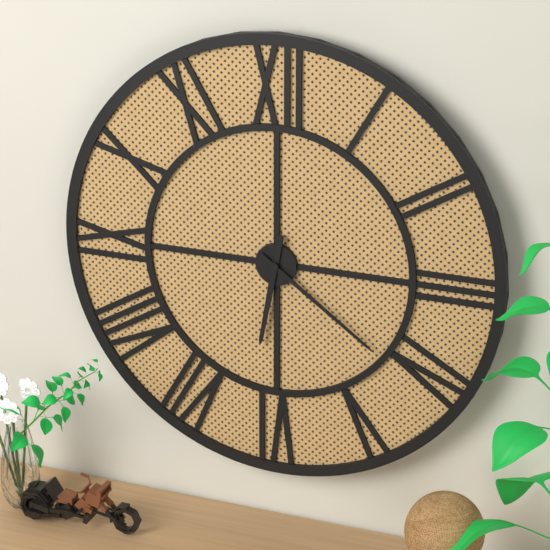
6.21
